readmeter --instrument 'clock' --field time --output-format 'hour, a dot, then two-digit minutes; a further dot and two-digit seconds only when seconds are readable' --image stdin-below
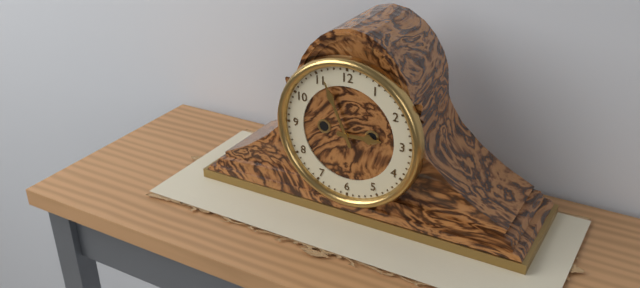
2.56
